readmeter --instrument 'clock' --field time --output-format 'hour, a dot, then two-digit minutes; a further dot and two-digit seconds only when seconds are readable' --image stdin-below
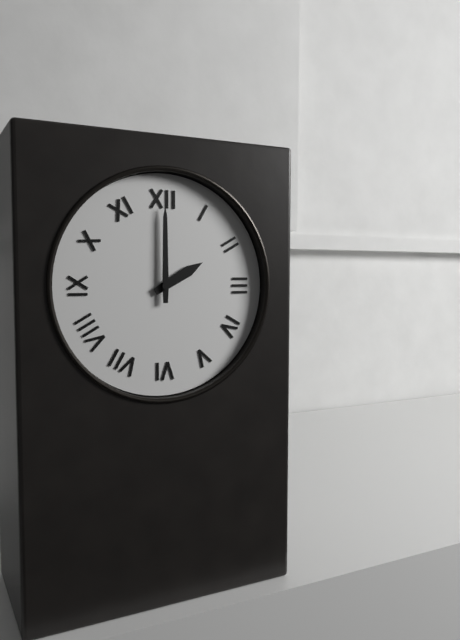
2.00
